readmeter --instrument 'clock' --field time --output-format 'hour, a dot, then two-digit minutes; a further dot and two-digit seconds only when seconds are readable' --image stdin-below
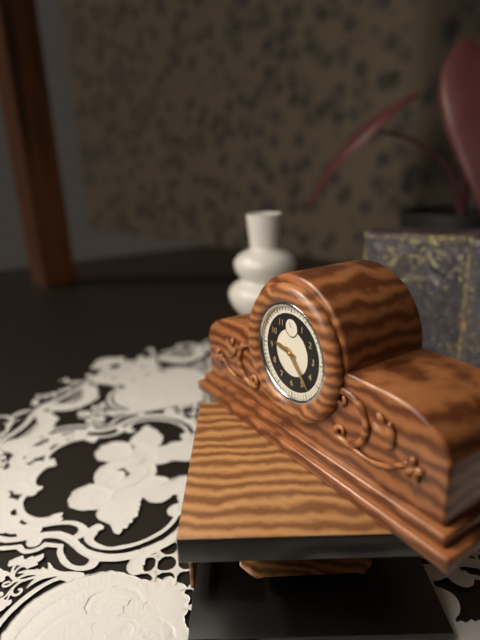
9.23
